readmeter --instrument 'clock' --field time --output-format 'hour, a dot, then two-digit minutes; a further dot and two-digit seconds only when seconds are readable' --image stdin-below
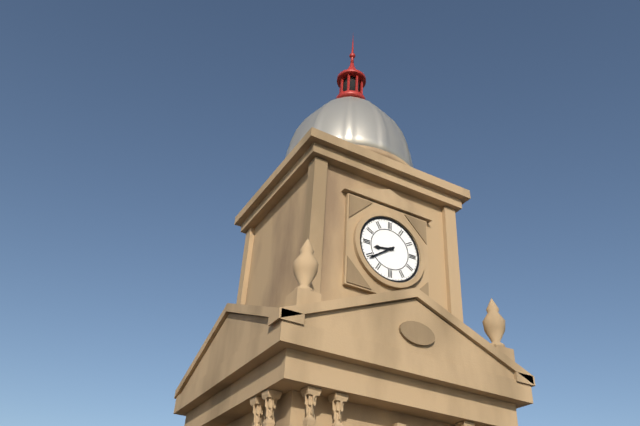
8.39
